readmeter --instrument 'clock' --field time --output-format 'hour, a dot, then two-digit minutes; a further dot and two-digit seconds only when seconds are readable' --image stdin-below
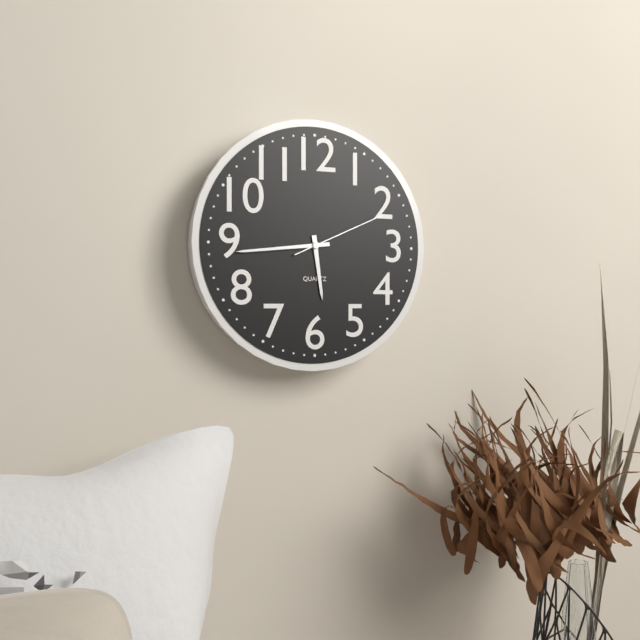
5.44.11
